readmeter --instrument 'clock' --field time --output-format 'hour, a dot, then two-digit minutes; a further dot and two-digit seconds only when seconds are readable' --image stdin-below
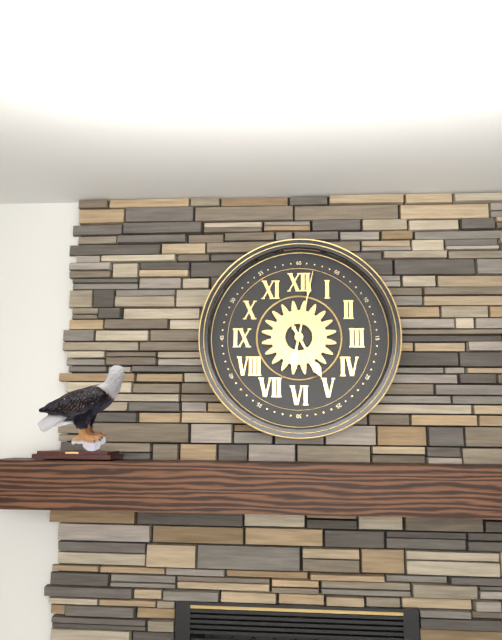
5.02
